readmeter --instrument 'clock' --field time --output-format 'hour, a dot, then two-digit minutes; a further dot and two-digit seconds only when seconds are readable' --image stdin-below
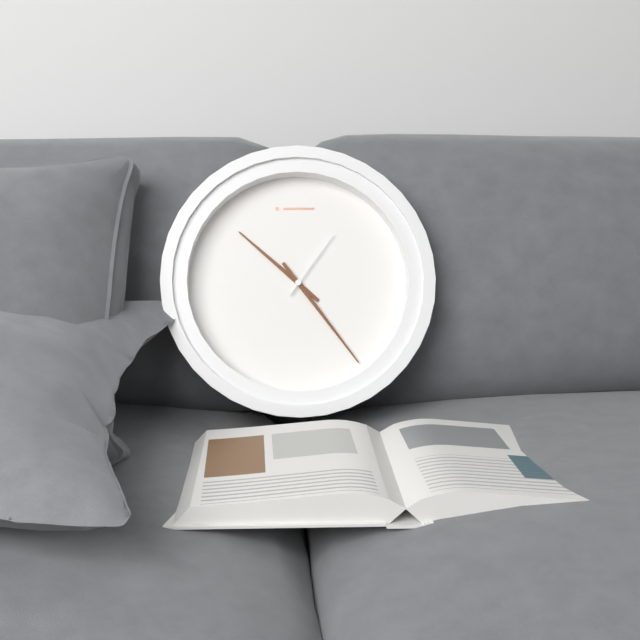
10.24.06
